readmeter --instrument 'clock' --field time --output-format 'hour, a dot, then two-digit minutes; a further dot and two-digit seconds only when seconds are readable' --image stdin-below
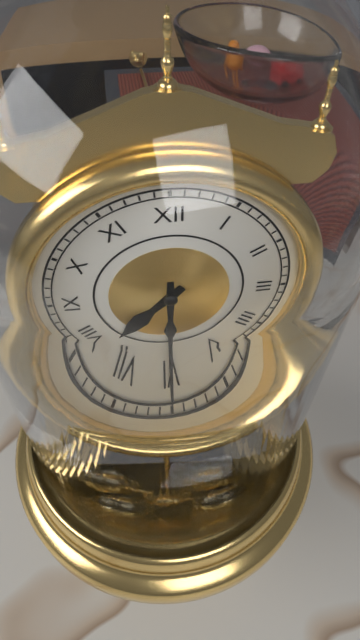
7.30
